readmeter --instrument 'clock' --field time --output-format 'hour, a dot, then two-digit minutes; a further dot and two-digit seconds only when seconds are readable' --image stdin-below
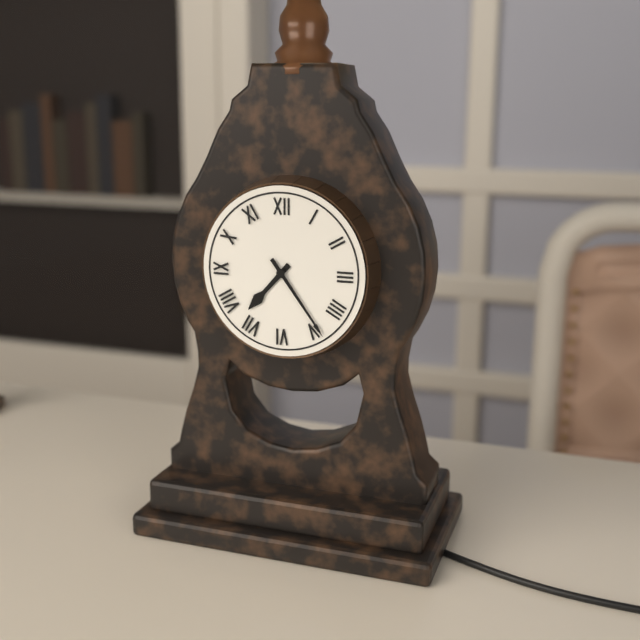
7.24
